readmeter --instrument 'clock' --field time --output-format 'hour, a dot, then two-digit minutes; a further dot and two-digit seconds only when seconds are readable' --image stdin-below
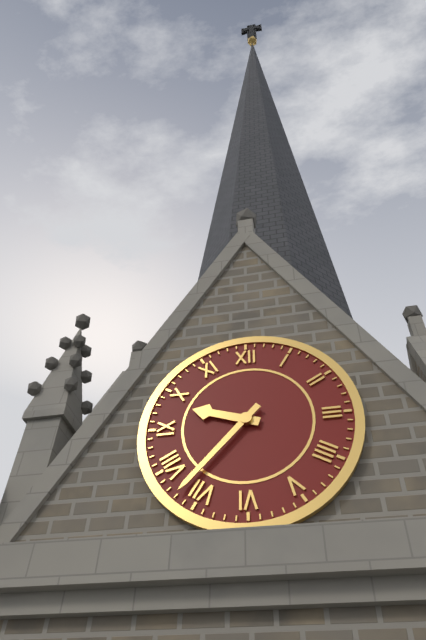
9.37
